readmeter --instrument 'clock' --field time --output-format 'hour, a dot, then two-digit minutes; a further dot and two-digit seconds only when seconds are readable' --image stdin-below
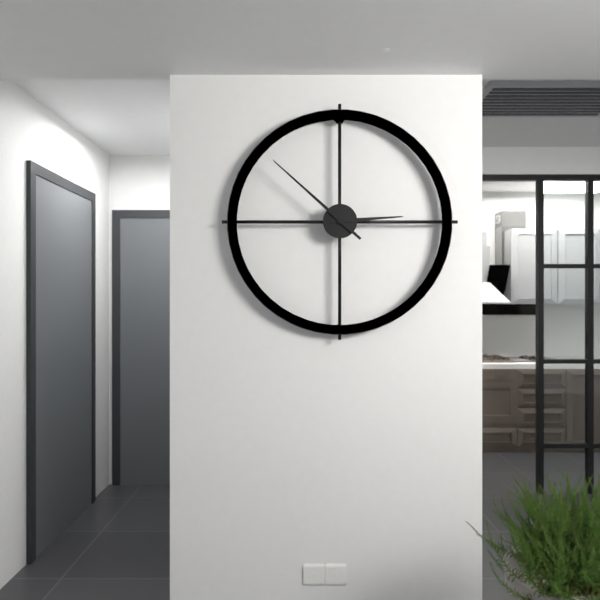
2.52
